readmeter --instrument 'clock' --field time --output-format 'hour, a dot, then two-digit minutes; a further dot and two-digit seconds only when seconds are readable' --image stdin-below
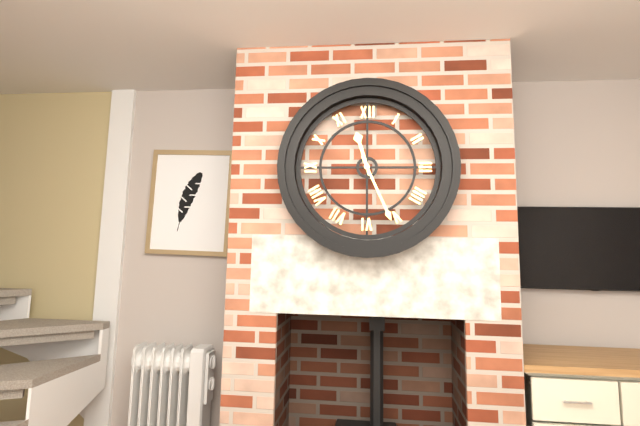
11.26
